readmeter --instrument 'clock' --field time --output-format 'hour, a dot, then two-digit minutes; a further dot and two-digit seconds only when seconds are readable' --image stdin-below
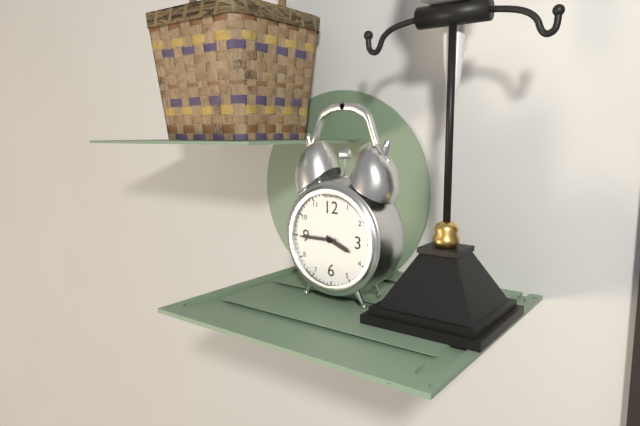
3.45
